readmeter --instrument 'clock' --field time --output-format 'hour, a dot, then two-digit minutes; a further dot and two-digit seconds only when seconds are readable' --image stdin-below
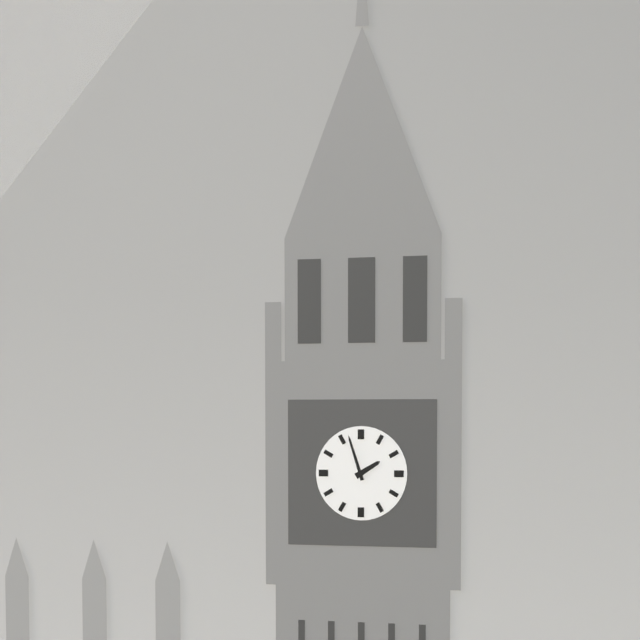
1.57
